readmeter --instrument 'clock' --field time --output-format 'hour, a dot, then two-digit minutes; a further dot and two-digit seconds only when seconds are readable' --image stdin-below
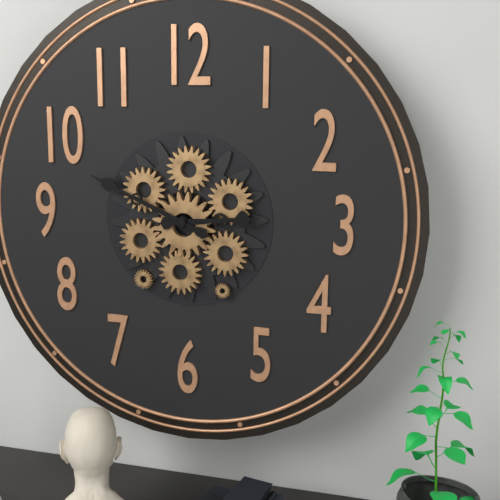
2.49
